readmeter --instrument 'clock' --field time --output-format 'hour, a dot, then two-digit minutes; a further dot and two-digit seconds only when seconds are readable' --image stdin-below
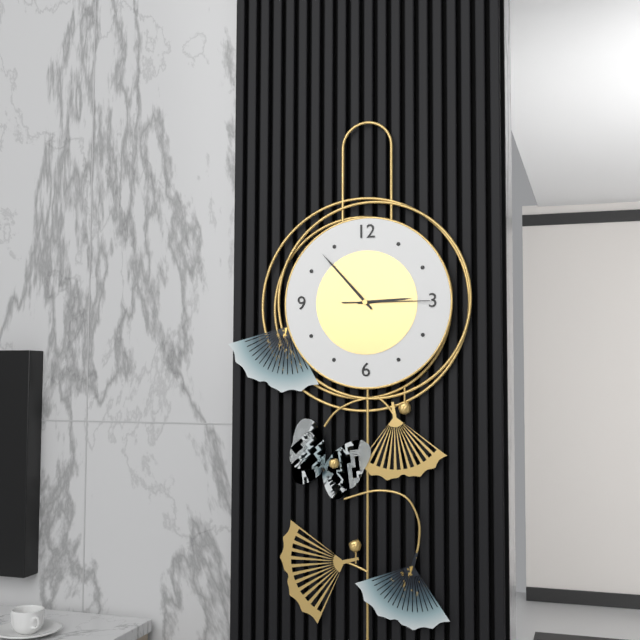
2.53.15
